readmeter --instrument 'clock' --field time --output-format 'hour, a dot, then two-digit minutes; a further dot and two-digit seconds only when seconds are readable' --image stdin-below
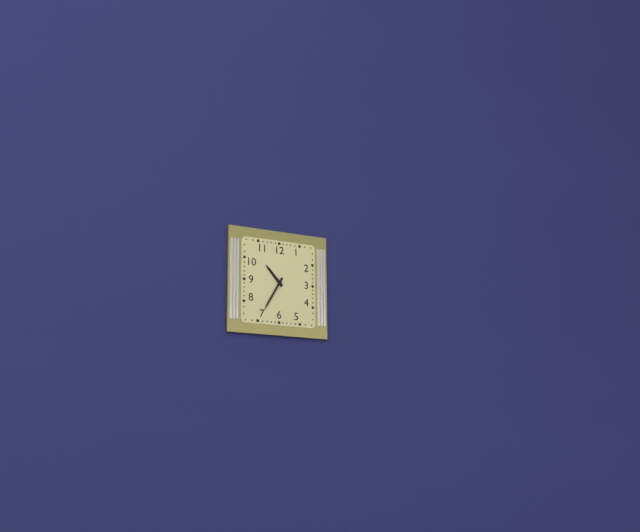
10.35
